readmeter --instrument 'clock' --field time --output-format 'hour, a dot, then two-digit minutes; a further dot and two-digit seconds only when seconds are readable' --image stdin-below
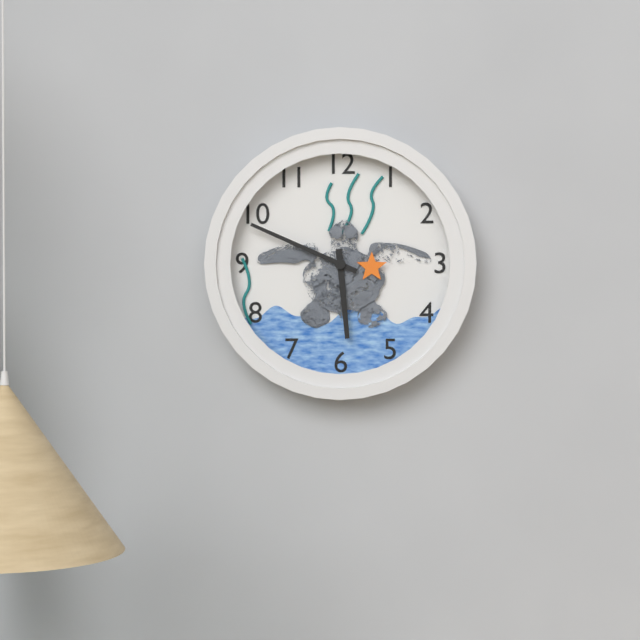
5.49
